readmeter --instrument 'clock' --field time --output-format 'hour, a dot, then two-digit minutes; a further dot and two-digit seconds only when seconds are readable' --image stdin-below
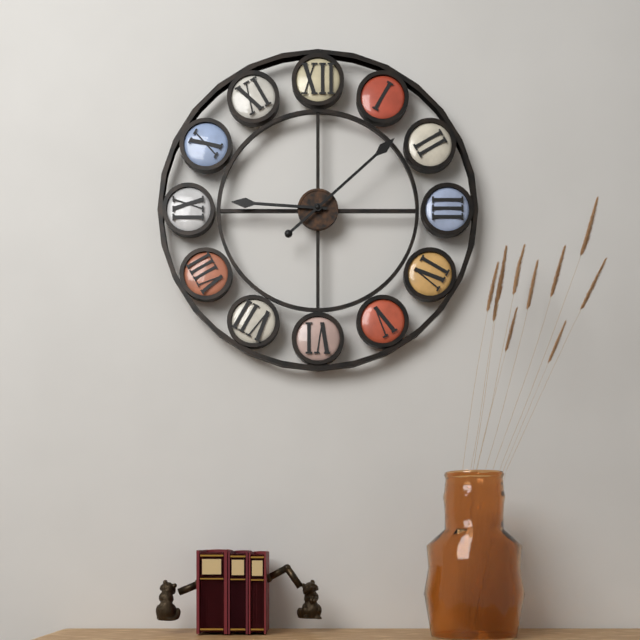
9.08
